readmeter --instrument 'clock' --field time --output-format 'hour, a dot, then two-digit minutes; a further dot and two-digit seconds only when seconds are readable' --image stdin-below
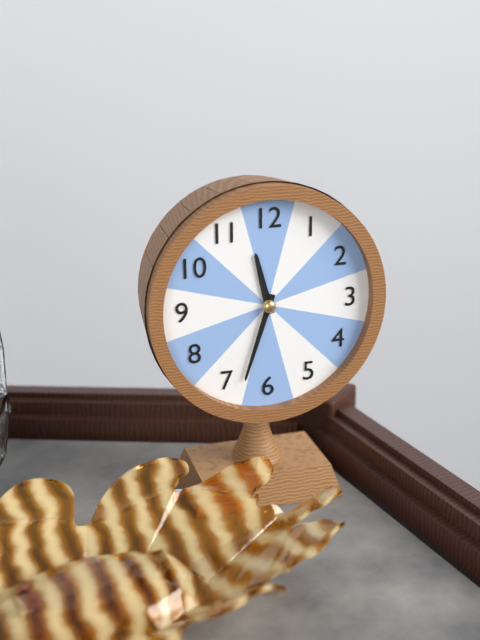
11.33
